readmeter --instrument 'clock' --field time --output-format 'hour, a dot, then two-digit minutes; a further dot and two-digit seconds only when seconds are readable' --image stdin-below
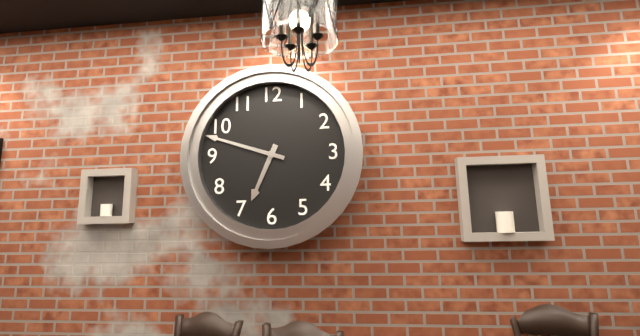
6.48
